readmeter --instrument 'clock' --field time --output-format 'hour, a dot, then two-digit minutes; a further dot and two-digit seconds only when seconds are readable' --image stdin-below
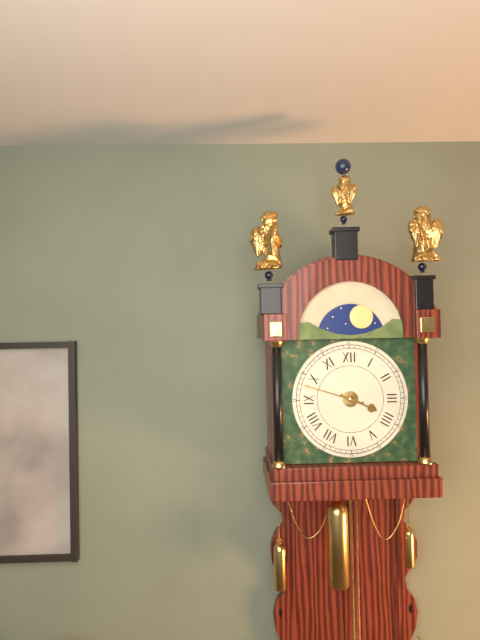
3.48
